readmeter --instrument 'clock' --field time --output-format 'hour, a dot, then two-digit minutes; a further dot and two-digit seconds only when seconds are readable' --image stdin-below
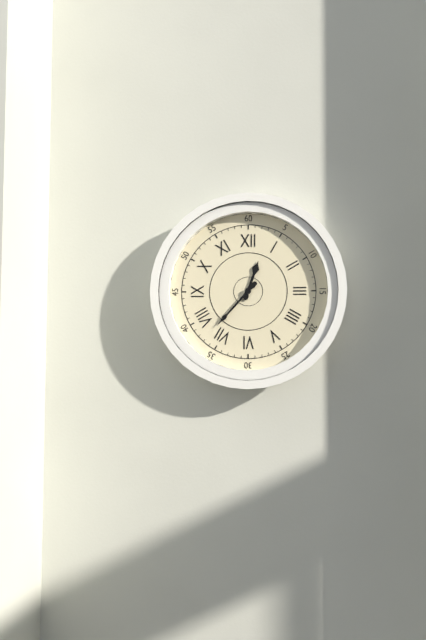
12.37
